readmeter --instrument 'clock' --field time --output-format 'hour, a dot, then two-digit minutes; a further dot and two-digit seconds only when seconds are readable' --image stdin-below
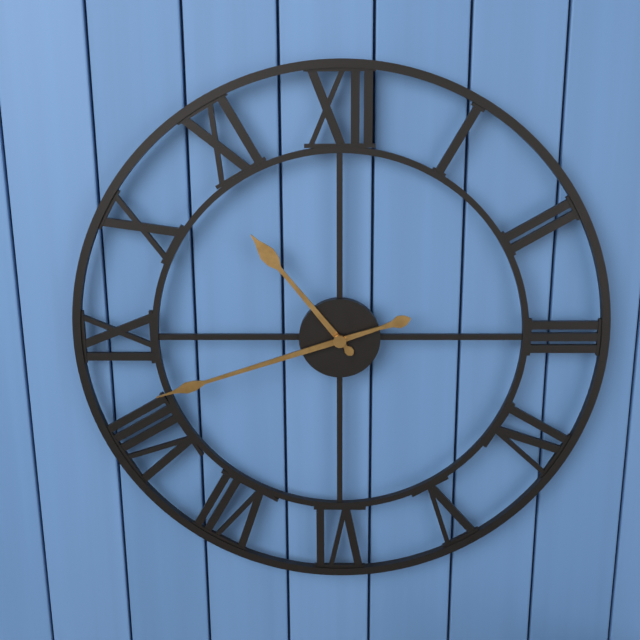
10.42
